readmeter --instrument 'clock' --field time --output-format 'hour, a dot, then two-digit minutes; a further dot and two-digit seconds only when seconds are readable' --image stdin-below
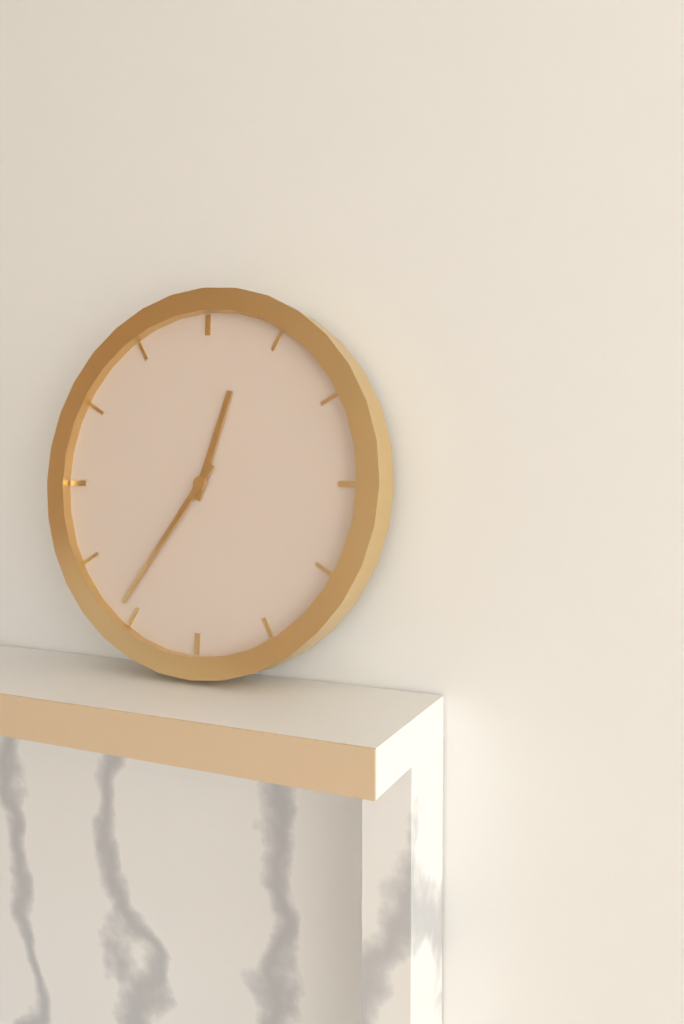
12.36
